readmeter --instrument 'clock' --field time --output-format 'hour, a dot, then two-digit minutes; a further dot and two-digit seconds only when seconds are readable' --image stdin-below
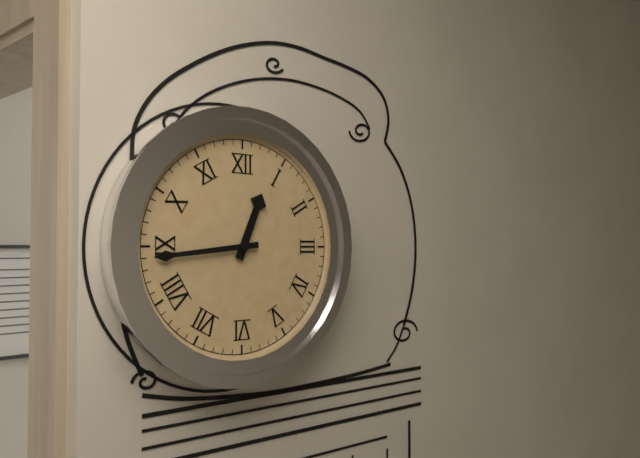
12.44
